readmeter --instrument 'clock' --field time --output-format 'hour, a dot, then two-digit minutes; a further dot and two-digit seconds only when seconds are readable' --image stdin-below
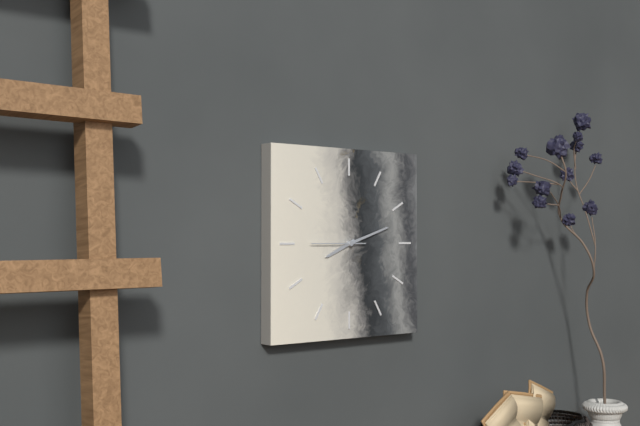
8.12.45
